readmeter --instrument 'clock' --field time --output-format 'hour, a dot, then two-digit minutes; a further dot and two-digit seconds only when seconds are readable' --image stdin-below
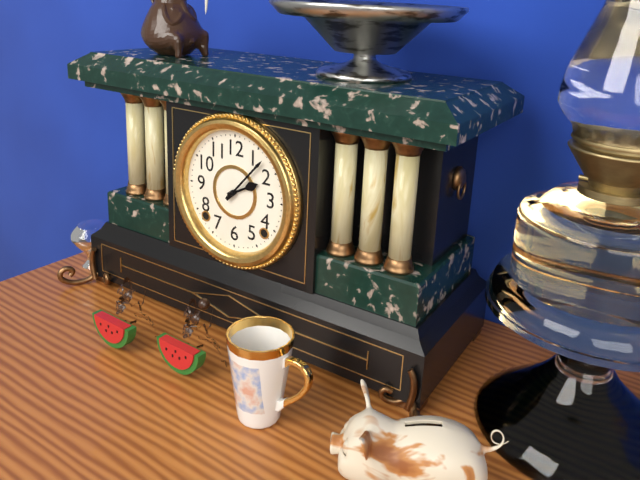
2.07
